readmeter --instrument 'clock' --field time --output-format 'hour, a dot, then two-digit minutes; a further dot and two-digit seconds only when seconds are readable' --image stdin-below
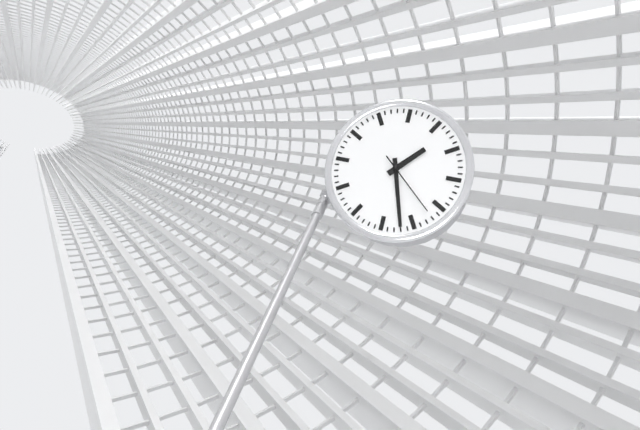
1.27.22
